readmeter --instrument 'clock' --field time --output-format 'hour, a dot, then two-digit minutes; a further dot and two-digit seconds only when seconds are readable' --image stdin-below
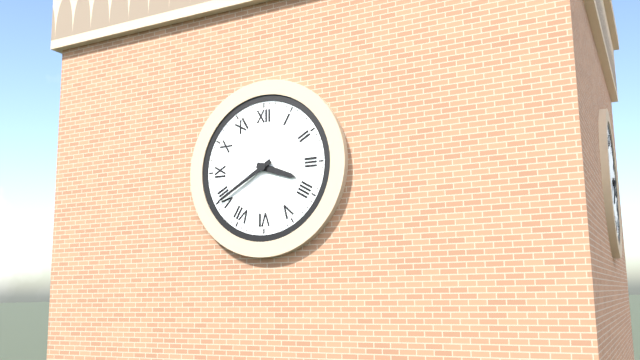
3.40
